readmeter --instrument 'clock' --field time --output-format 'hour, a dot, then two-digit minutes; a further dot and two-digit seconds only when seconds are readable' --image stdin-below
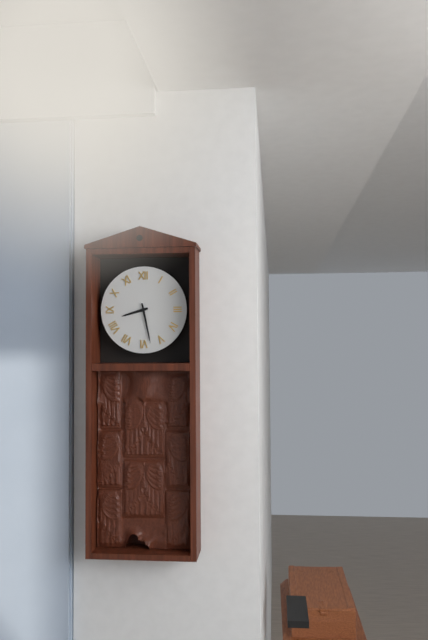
8.28
